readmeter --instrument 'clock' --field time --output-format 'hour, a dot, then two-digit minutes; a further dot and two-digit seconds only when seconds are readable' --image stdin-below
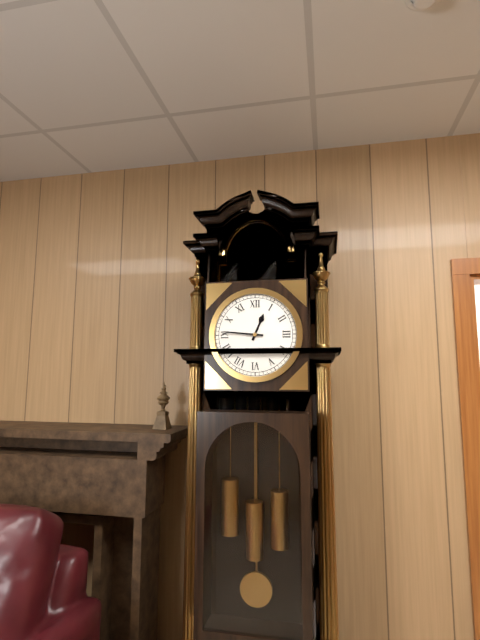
12.46
